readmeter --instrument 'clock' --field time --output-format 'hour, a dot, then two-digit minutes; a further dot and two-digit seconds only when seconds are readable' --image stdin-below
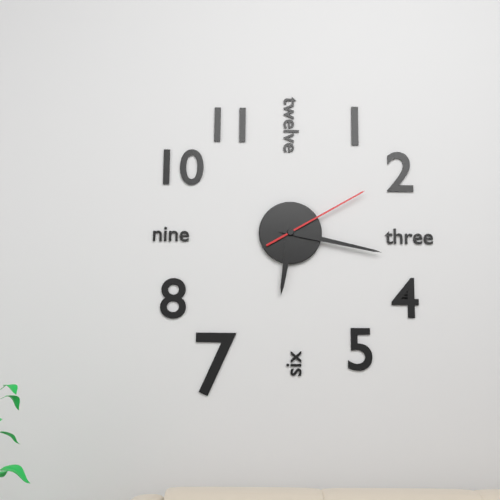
6.17.10
